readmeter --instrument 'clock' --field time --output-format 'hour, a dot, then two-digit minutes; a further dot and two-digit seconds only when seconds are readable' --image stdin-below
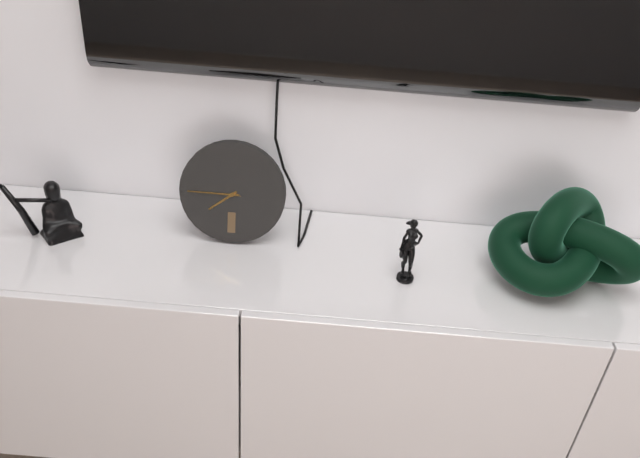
7.45
